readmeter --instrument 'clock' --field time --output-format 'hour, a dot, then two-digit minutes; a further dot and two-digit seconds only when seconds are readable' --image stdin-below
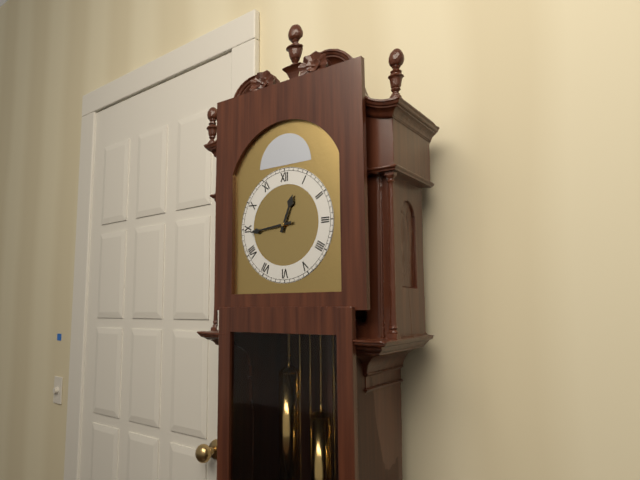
12.44
